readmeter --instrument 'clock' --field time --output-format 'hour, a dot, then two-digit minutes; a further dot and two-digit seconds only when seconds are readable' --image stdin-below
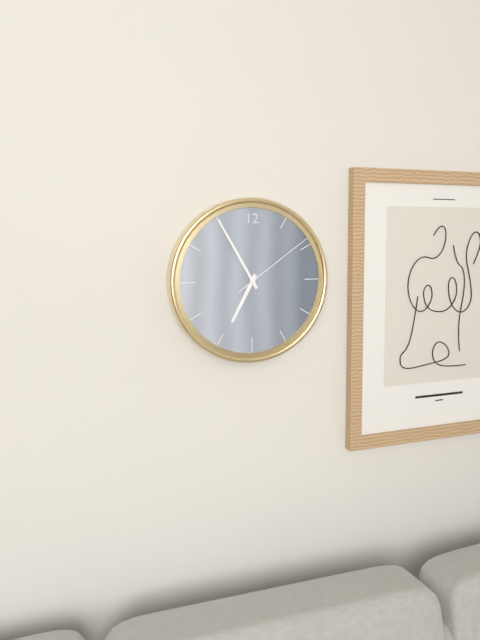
6.55.09
